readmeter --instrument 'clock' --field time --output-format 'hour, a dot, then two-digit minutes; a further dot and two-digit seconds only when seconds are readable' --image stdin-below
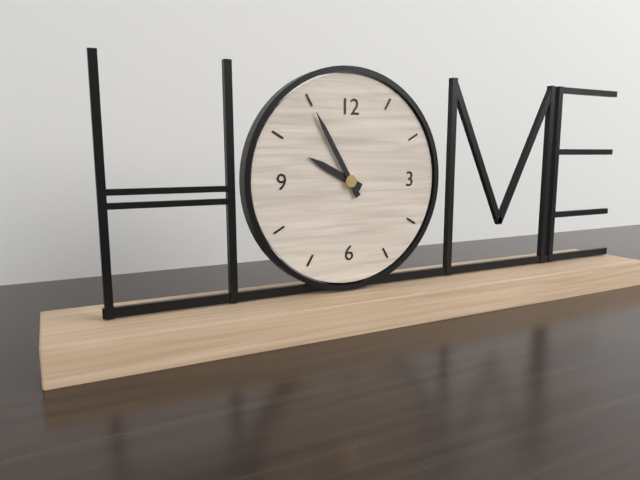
9.55
